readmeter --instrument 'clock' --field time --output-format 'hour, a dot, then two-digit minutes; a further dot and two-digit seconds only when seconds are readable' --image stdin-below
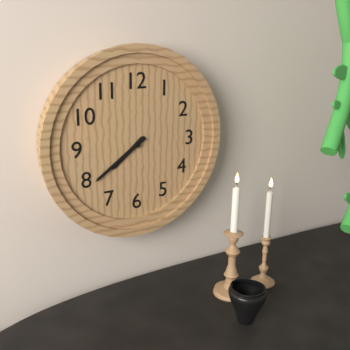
7.39
